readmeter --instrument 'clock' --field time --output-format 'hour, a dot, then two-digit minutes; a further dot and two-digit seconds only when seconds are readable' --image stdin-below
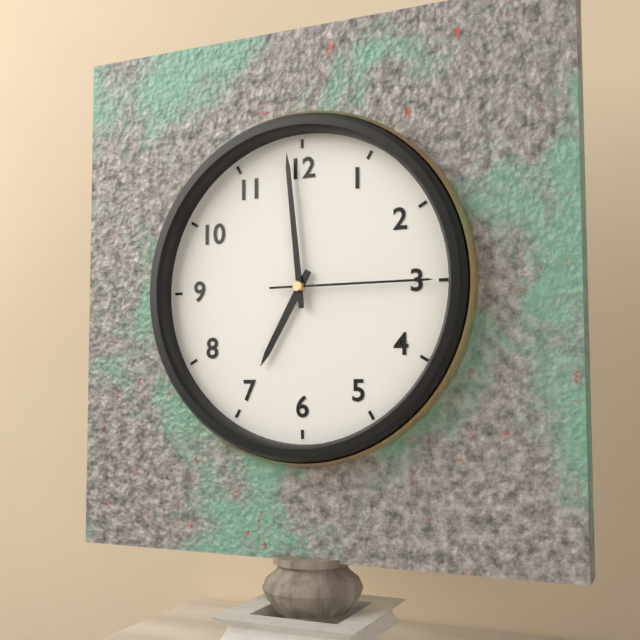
6.59.15
